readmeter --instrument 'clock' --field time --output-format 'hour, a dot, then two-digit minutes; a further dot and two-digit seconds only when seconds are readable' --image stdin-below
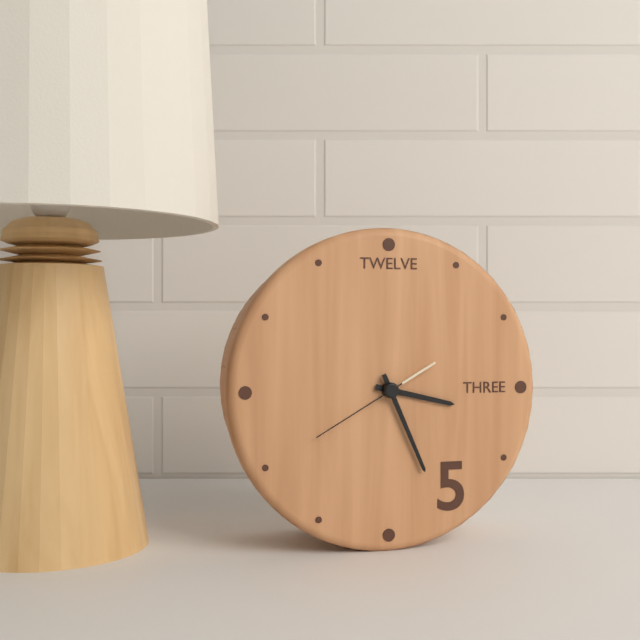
3.26.40
